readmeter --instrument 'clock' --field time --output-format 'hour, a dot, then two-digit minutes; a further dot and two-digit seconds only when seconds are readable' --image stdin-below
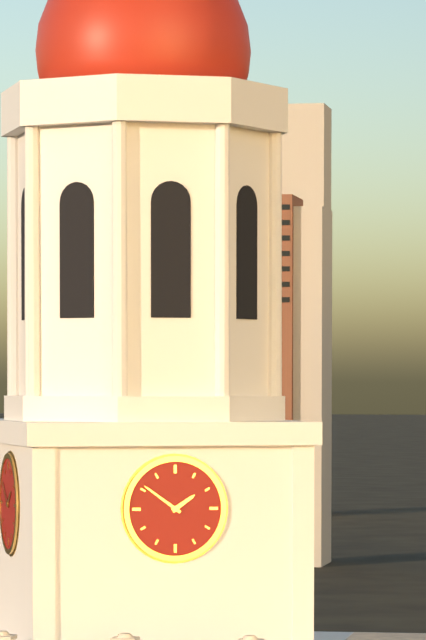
1.51
